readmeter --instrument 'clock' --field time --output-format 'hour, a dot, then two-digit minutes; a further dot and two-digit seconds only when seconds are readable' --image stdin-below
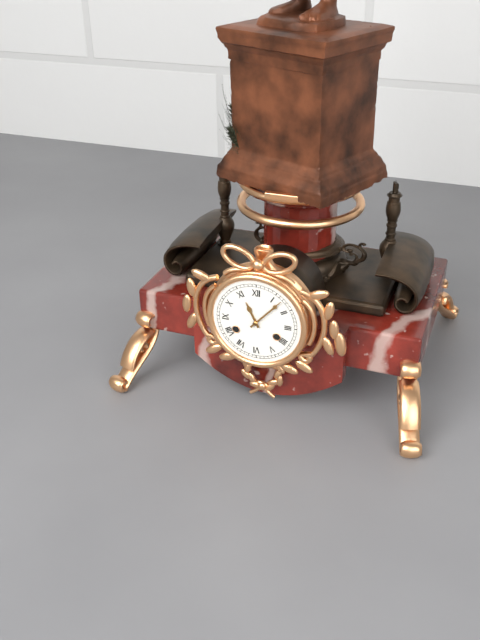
11.07
